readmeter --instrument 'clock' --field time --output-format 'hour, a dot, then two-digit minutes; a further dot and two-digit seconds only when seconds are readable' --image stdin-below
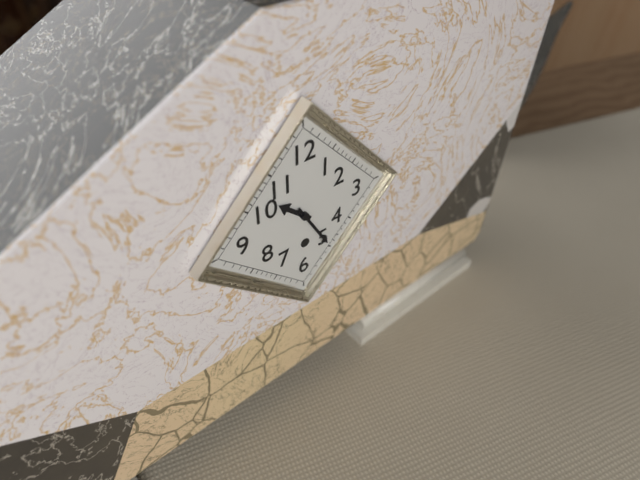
10.25
